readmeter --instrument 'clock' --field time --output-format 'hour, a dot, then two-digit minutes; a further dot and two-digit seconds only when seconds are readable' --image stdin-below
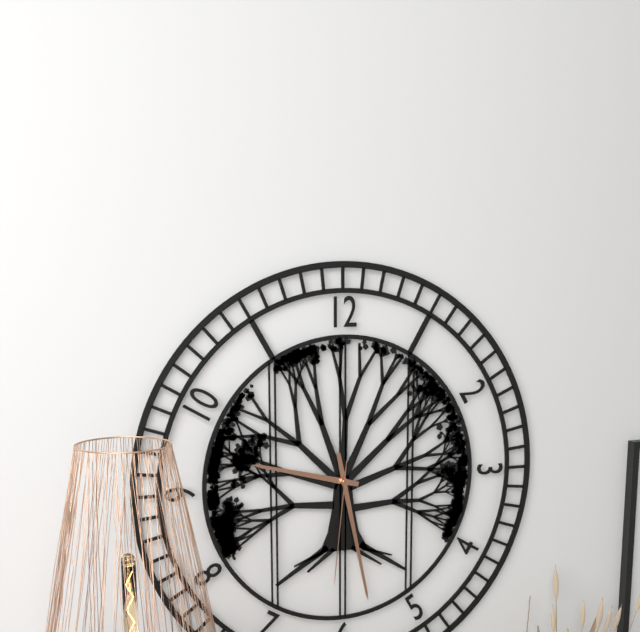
9.28.31
